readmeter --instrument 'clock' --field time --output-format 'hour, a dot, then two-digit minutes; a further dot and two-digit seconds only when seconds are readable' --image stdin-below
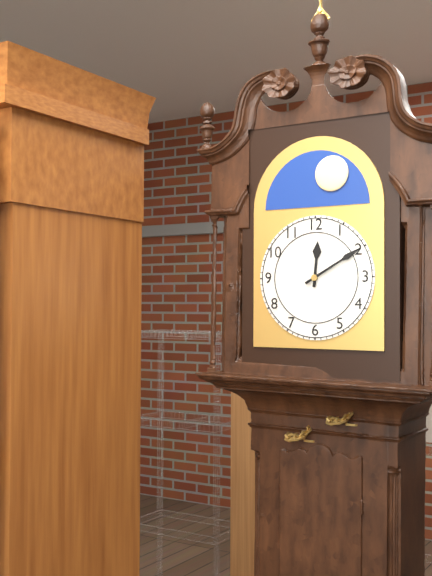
12.10
